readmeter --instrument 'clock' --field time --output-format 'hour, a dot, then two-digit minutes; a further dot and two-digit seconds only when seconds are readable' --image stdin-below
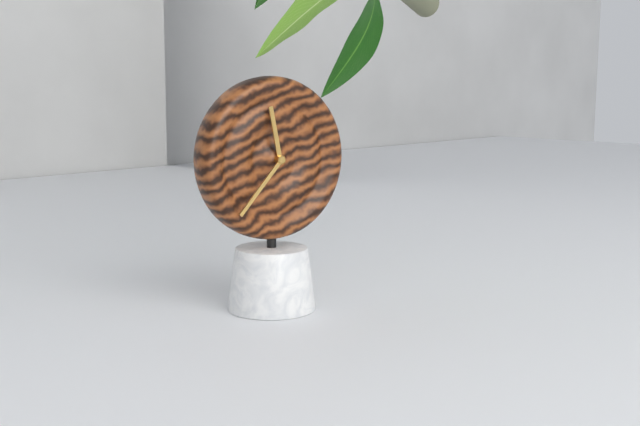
11.37
